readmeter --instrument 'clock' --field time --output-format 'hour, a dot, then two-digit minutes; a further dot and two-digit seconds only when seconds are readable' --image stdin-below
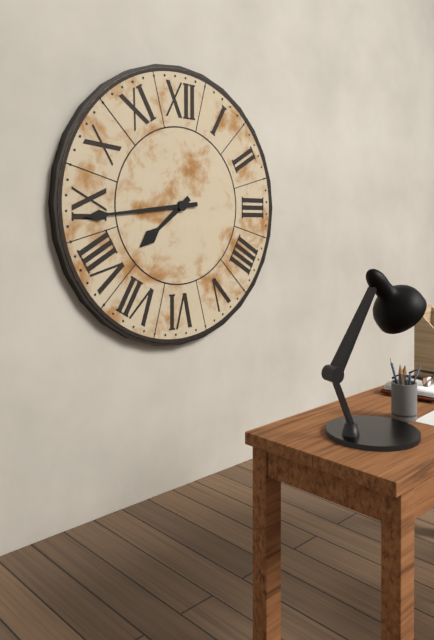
7.44
